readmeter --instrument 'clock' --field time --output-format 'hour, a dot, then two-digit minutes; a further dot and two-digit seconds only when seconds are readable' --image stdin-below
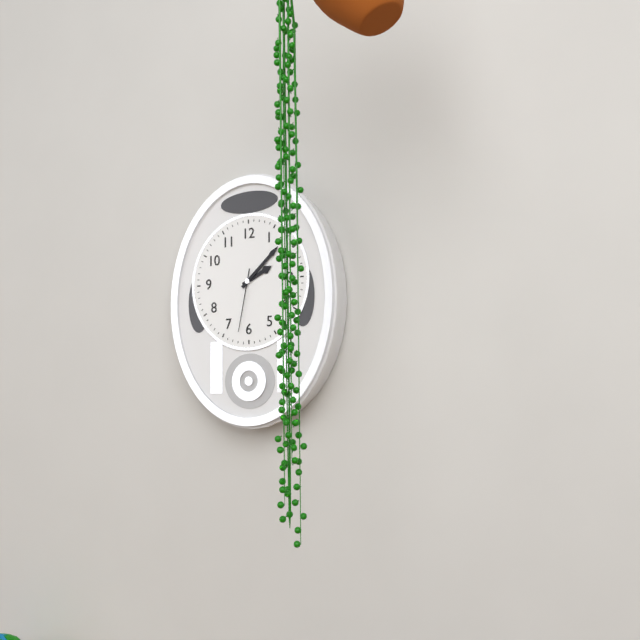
2.08.32
